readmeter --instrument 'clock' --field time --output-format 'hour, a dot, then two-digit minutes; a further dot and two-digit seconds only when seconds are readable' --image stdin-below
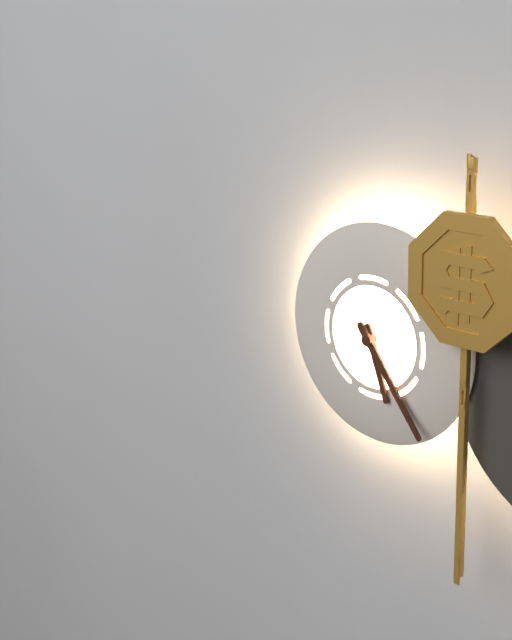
5.24
